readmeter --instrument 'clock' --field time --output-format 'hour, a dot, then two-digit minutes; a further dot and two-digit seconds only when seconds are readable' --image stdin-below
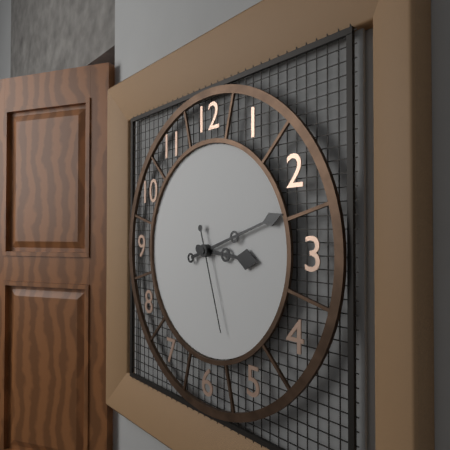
3.12.27
